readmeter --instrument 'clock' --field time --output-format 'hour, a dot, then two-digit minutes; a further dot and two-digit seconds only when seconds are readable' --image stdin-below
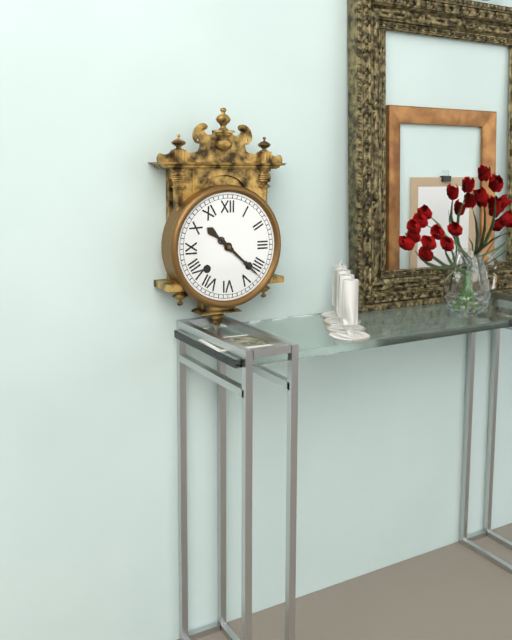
10.22
